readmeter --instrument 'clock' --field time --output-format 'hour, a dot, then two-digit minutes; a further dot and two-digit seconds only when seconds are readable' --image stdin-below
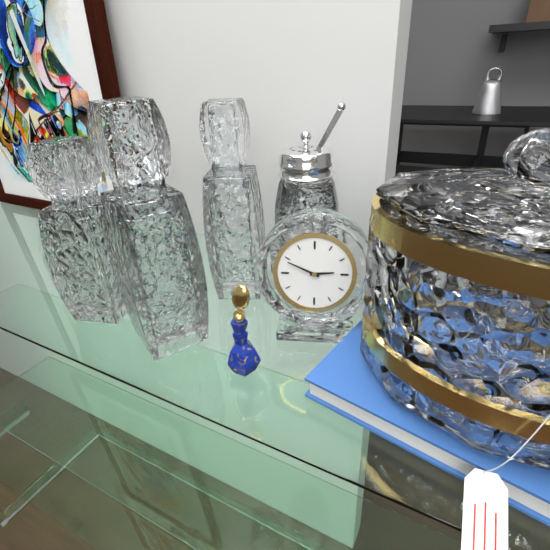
2.49
